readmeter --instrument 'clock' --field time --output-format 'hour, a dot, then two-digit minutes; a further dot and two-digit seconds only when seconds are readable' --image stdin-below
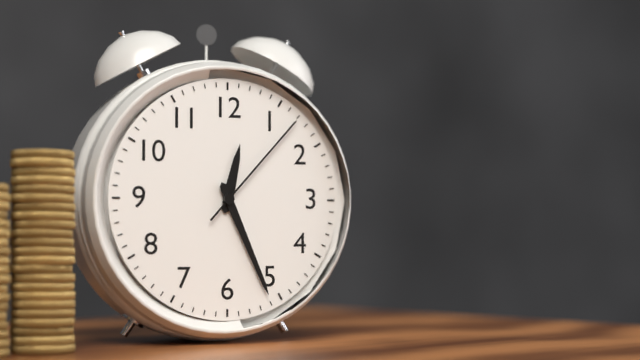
12.26.07
